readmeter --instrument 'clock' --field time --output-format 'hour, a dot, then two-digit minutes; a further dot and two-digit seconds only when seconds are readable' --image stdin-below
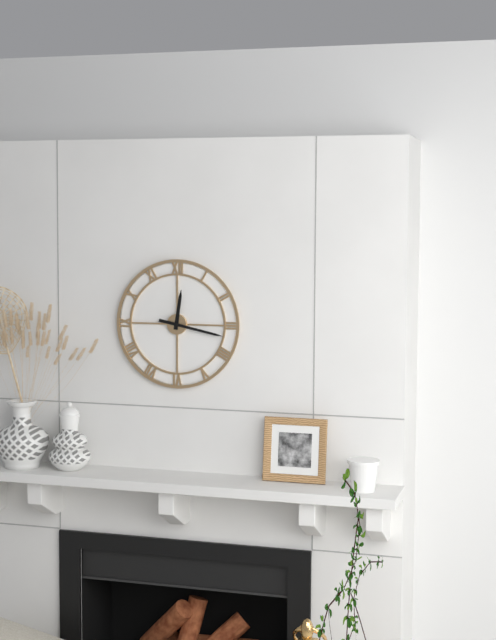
12.17
